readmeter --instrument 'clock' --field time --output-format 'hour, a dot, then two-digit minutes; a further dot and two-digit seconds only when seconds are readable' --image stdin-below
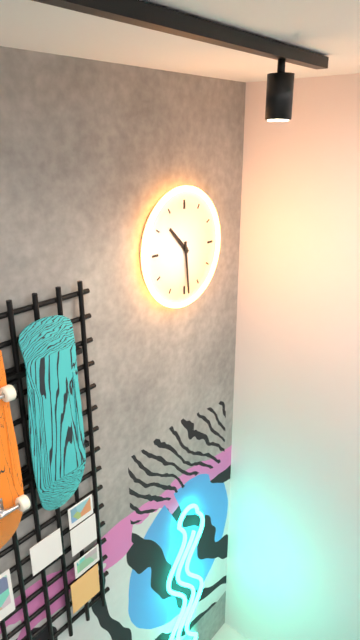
10.29
